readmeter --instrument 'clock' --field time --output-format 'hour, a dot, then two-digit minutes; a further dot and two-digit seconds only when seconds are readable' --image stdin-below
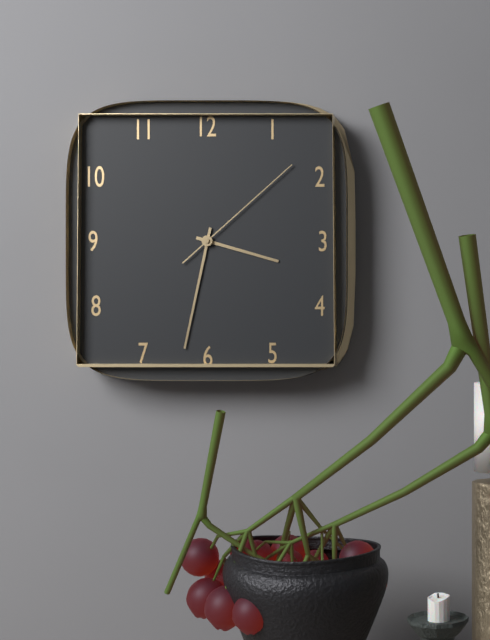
3.32.08
